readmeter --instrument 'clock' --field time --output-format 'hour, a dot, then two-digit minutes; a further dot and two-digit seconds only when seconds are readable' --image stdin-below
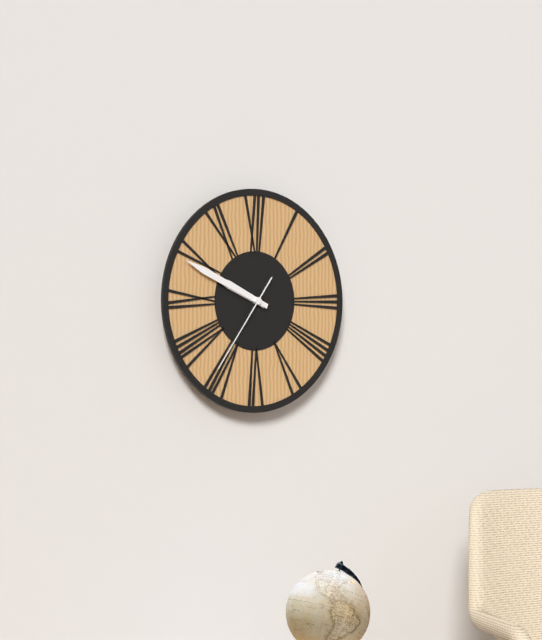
9.49.36
